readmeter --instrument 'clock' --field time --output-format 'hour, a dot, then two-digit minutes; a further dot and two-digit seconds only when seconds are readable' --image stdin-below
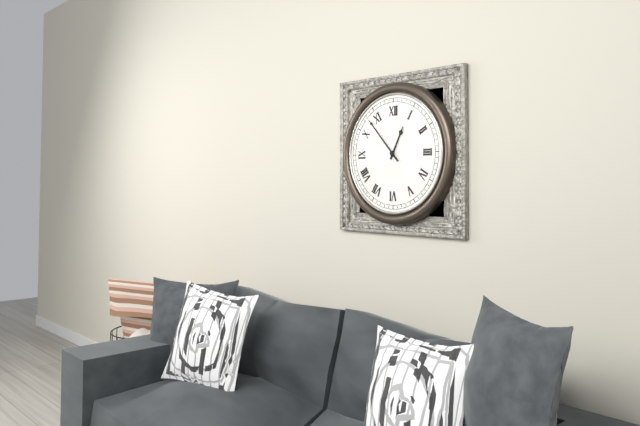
12.53
